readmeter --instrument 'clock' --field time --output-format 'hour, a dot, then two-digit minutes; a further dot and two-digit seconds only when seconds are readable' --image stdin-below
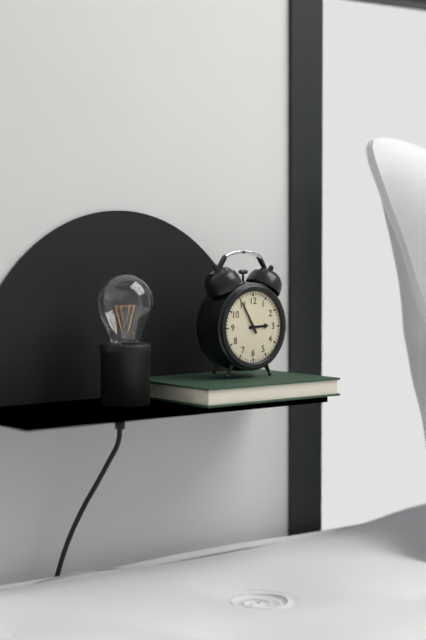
2.55
